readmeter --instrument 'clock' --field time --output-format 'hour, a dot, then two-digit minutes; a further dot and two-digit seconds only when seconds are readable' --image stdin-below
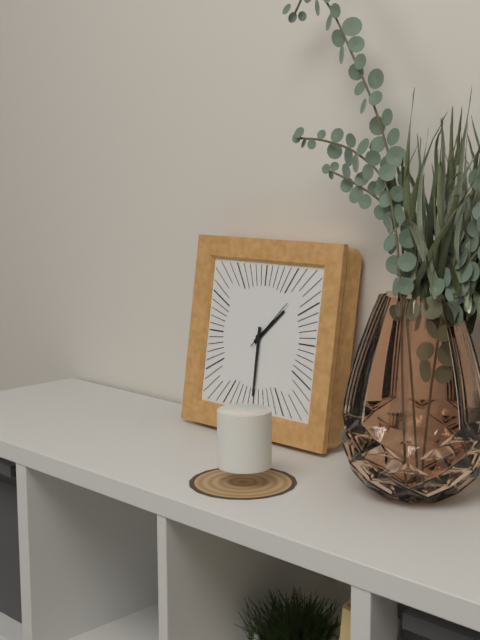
1.30.07
